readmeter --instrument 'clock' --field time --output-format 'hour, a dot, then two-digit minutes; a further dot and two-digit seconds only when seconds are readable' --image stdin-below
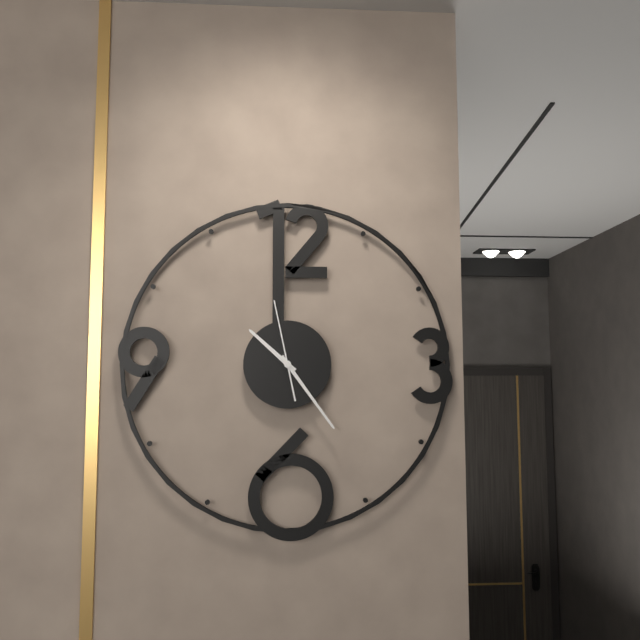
10.24.58
